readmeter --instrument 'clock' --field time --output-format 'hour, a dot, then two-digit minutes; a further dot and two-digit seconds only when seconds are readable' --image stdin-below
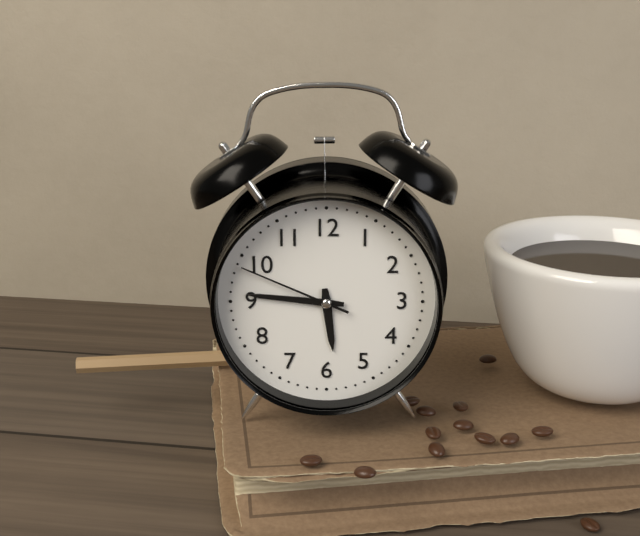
5.46.49
